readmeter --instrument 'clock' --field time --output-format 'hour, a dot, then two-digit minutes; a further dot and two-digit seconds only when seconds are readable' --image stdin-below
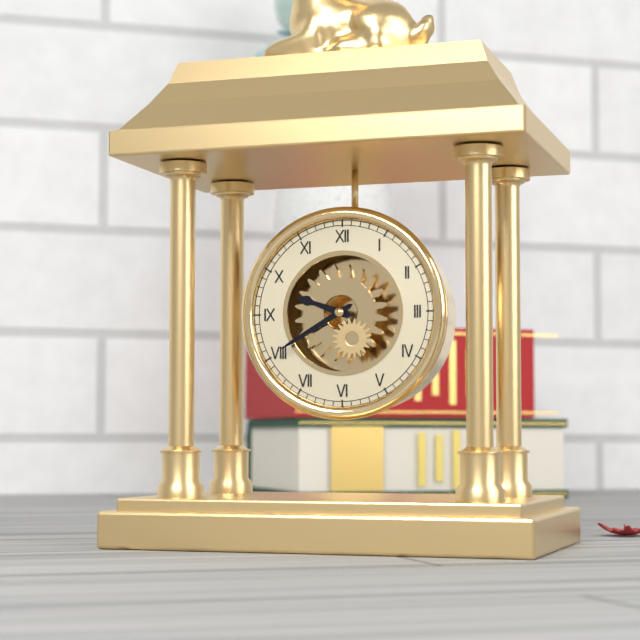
9.40
